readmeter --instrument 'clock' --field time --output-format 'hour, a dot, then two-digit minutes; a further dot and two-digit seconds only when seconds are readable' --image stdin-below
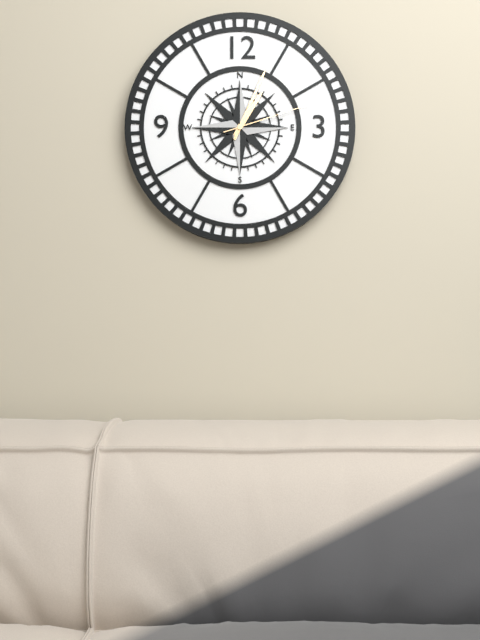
1.04.12
